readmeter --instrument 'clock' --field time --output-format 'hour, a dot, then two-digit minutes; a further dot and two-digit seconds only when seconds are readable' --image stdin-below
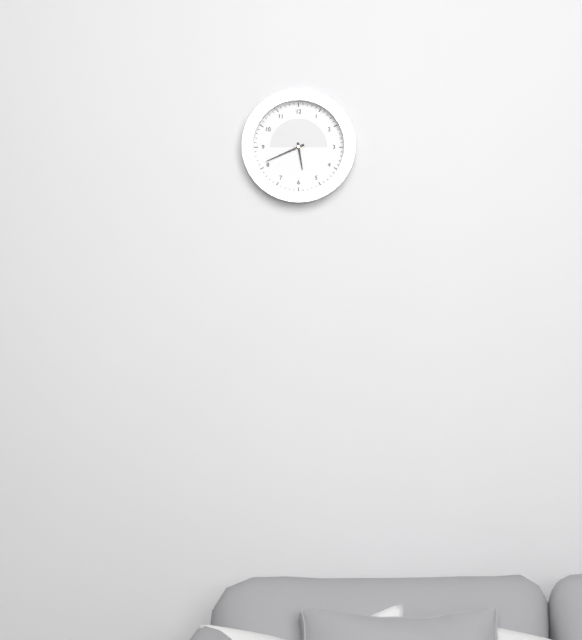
5.41
